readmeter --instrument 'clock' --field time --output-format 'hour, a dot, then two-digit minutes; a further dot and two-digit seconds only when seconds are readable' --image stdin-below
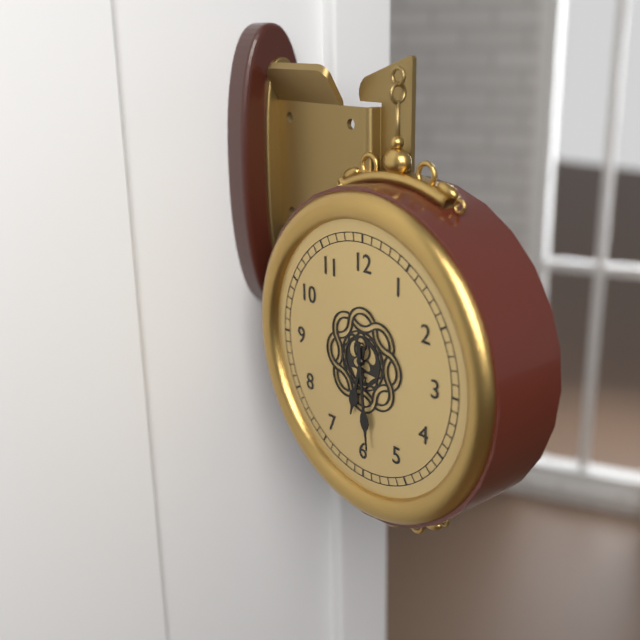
6.29
